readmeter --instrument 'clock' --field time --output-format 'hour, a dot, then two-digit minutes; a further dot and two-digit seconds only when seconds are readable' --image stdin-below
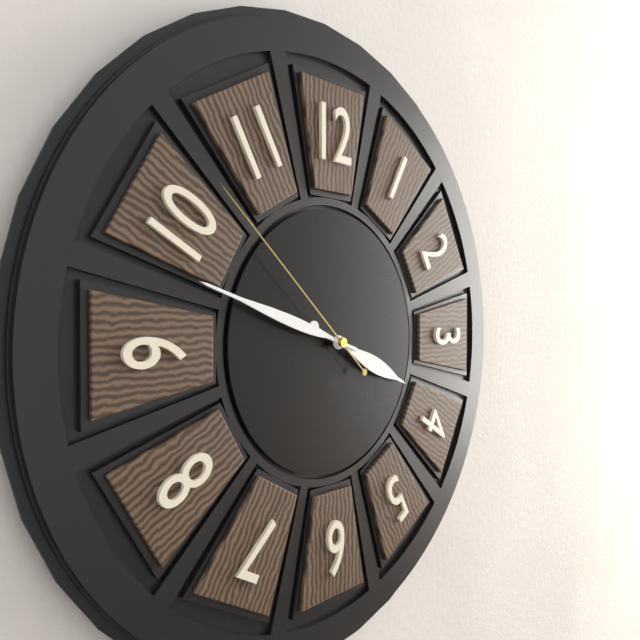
3.48.52
